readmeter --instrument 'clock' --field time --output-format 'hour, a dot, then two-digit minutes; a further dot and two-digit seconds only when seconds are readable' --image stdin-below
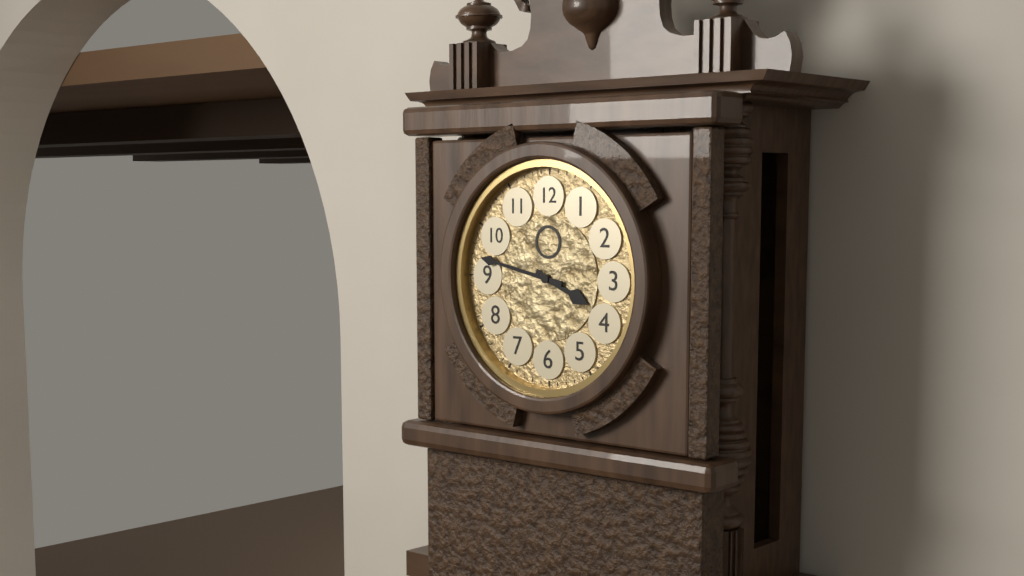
3.47
